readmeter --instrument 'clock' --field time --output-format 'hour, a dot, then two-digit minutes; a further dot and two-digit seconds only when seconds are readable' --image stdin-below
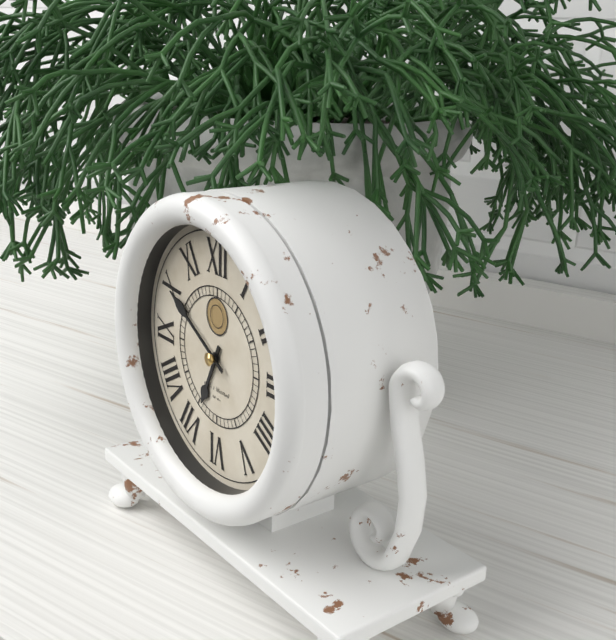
6.50
